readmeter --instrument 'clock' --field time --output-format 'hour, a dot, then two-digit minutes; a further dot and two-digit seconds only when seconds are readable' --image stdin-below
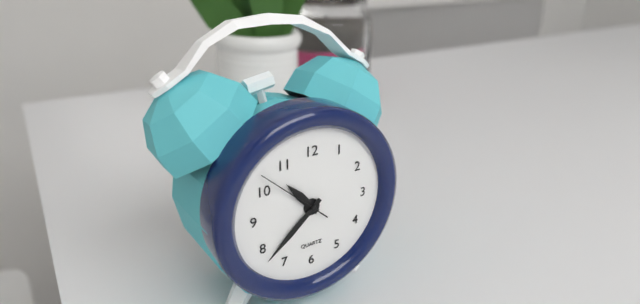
10.38.52
